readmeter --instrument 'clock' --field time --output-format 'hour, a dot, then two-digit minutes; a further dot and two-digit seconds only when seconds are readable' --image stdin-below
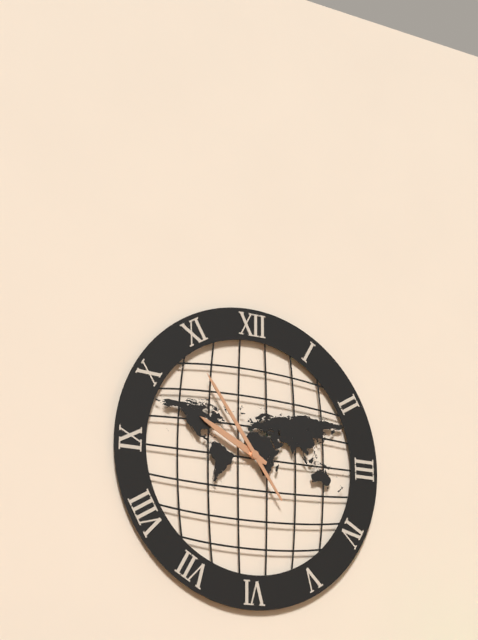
9.54
